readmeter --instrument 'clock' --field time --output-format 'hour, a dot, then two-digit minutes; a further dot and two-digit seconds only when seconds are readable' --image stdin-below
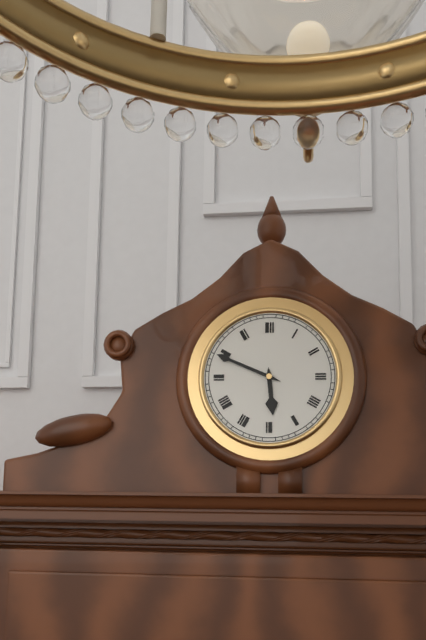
5.49
